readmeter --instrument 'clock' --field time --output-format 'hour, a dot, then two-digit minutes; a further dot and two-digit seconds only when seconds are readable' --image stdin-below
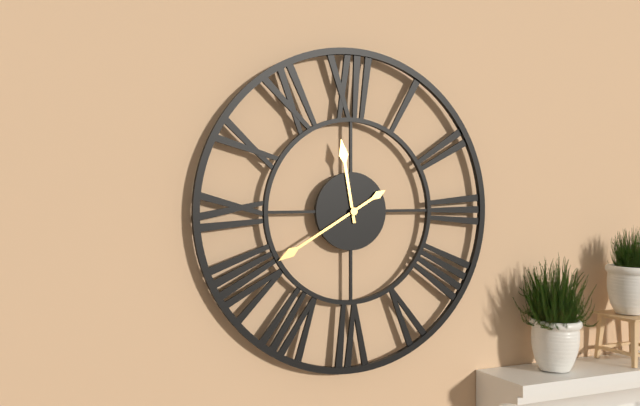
11.40
